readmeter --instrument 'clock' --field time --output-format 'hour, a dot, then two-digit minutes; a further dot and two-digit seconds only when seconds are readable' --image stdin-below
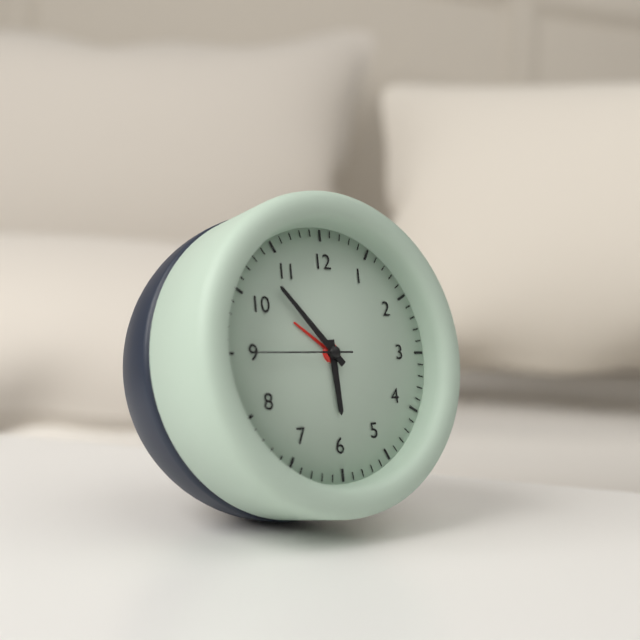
5.53
